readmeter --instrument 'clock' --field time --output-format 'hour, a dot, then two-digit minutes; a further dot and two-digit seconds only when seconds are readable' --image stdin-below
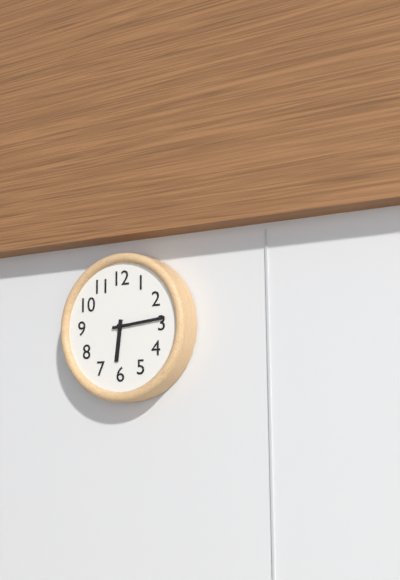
6.14
